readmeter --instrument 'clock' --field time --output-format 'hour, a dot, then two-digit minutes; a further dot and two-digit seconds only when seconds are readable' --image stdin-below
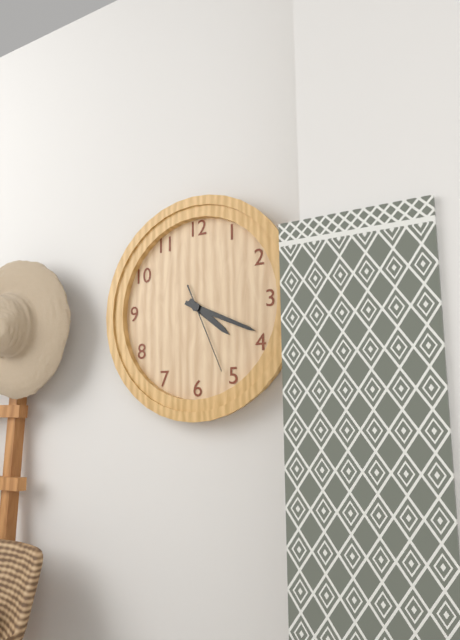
4.19.26
